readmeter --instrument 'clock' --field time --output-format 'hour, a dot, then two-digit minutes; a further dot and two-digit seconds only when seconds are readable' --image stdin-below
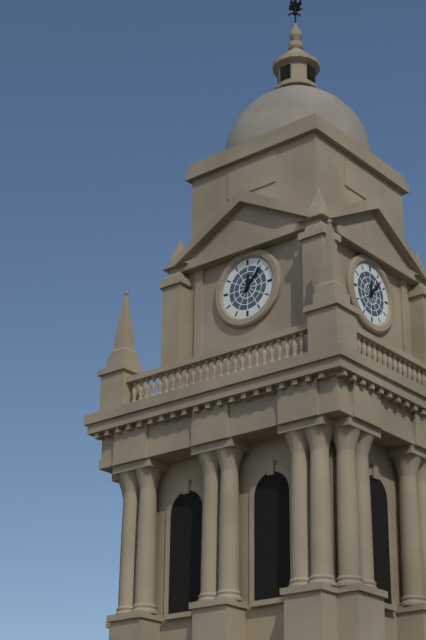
12.07
